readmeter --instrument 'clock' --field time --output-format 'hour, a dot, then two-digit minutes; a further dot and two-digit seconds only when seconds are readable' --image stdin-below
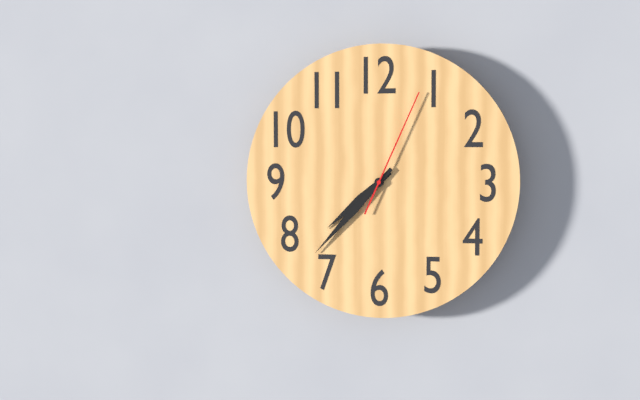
7.37.04
